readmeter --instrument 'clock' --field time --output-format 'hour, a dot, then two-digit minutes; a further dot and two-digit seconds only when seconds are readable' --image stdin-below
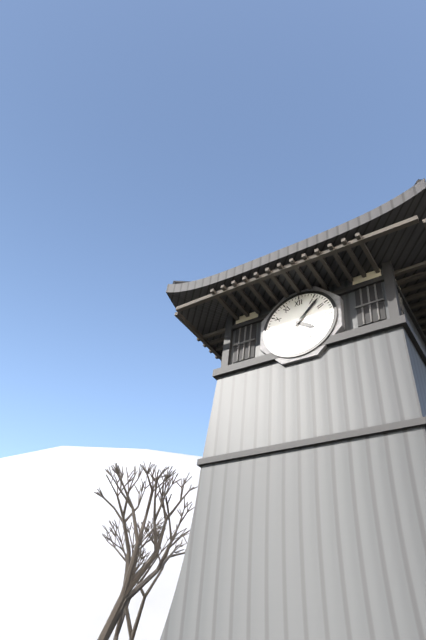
4.07
